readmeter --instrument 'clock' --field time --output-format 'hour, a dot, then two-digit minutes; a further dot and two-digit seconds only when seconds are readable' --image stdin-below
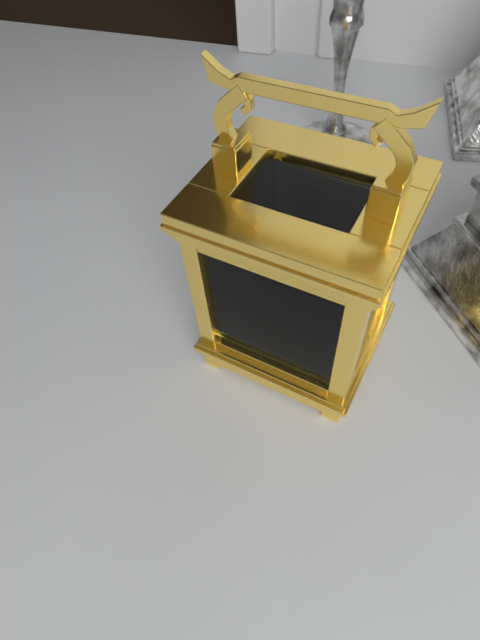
7.12
